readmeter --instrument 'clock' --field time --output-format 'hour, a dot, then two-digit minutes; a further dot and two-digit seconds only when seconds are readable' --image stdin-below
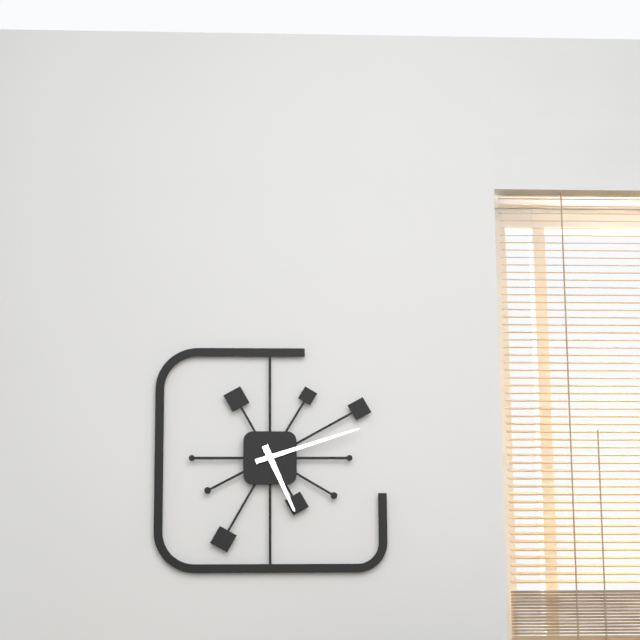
5.12
